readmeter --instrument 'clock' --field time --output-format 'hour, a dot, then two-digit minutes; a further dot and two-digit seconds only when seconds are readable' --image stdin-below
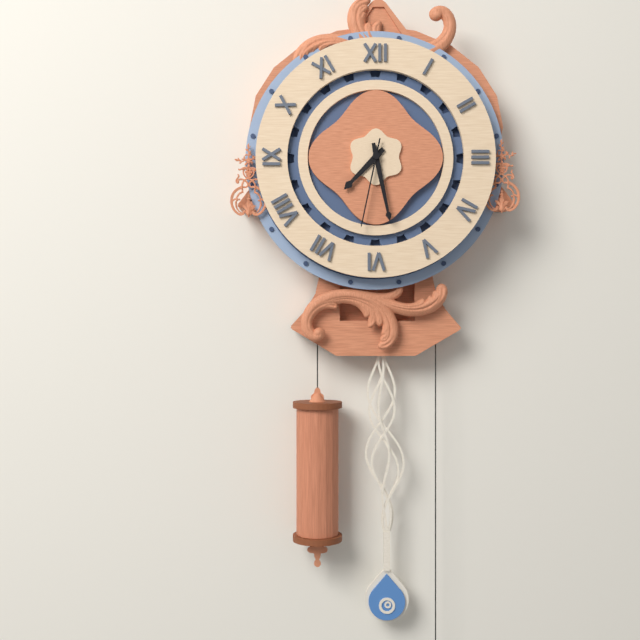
7.28.32
